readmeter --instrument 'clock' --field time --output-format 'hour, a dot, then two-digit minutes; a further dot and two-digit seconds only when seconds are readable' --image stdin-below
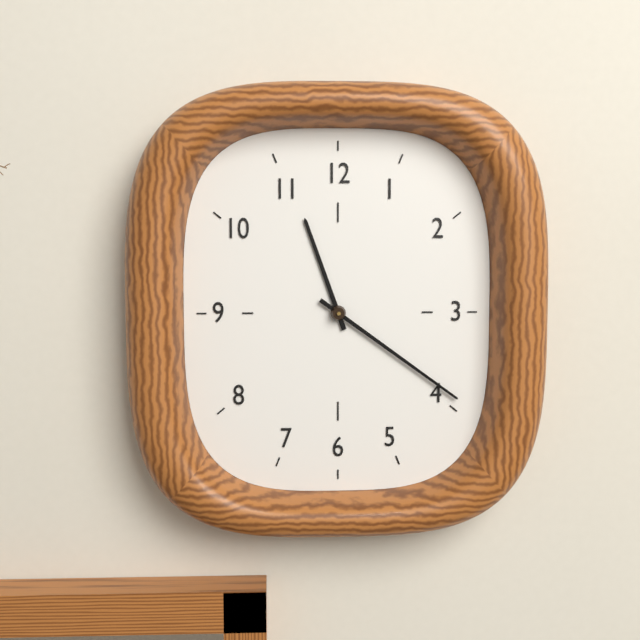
11.21
